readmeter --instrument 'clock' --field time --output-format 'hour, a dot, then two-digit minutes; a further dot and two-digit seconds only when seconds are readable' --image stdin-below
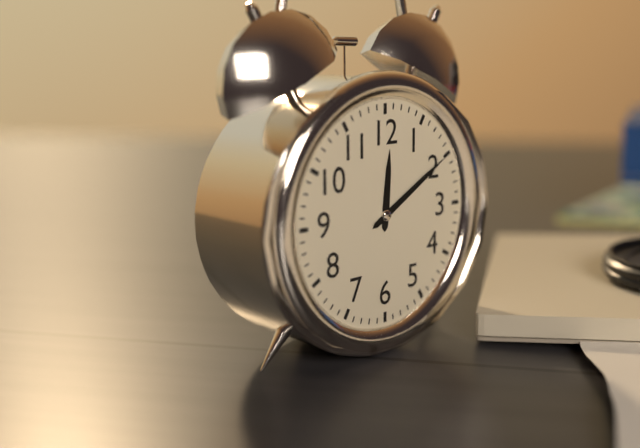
12.10
